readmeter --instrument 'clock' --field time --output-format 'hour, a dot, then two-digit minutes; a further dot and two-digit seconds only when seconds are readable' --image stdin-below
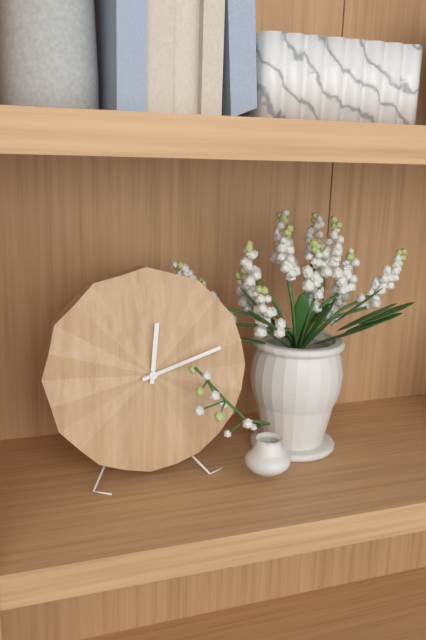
12.12
